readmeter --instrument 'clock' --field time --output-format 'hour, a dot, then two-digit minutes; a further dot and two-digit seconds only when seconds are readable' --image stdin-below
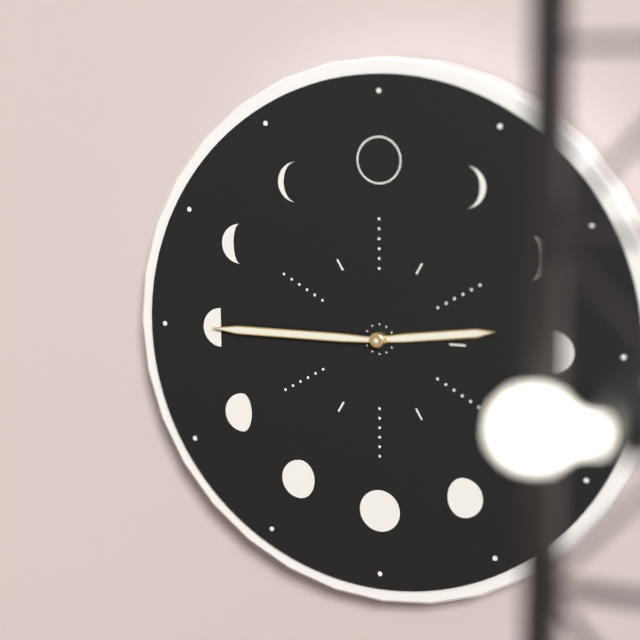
2.45
